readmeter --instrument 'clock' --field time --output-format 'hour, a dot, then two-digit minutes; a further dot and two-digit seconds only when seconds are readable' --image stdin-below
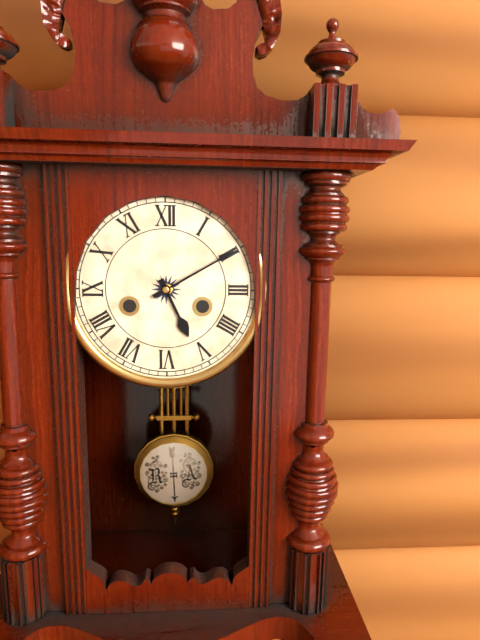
5.10
